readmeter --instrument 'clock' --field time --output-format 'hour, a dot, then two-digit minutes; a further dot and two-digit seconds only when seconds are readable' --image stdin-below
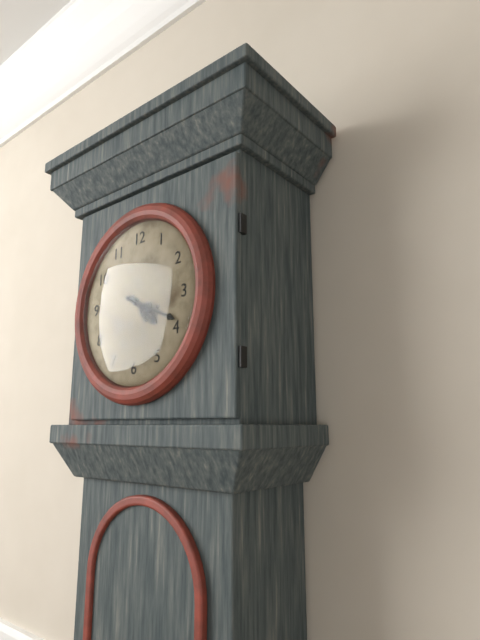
4.19
